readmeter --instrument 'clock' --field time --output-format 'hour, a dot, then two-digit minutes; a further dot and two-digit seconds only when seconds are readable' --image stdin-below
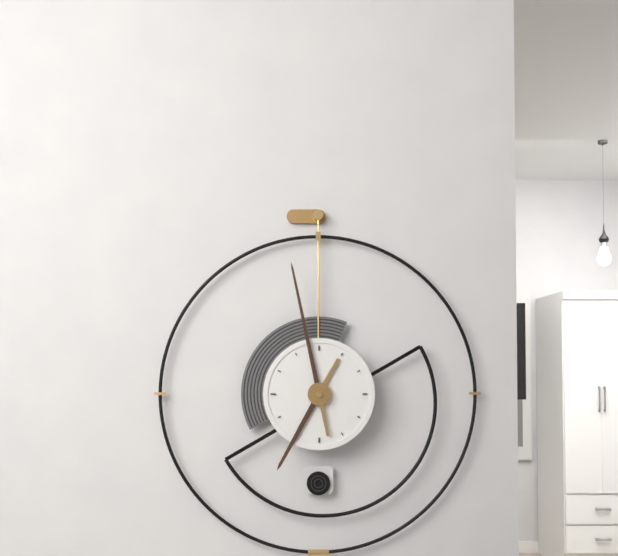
6.58
